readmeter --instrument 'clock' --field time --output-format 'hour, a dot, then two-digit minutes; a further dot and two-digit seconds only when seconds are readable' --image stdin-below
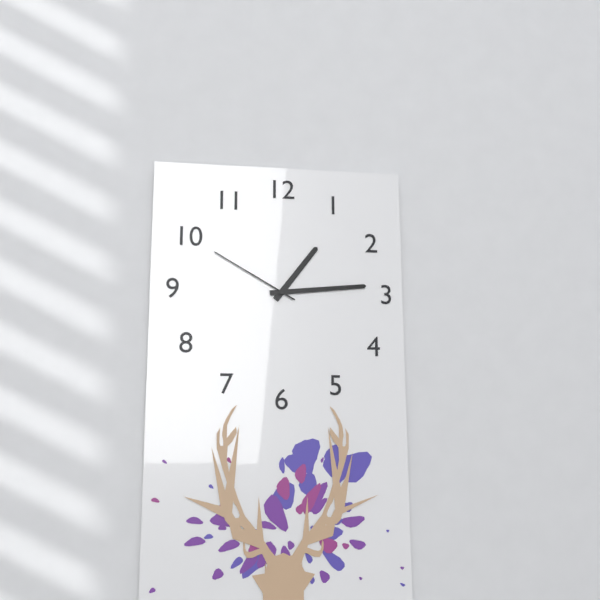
1.14.50
